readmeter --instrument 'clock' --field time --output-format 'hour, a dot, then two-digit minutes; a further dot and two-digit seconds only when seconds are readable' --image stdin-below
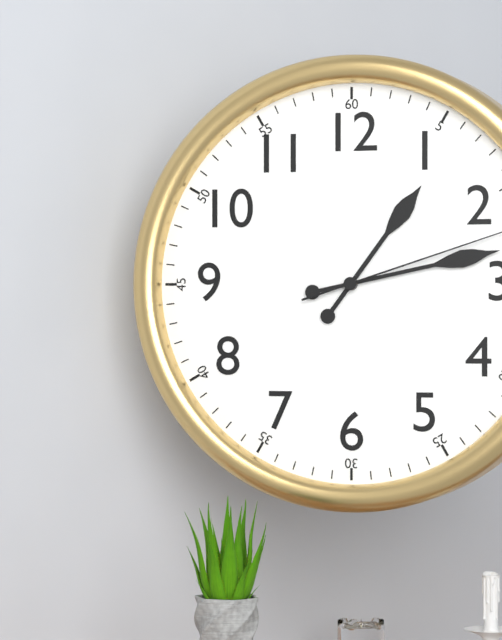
1.13
